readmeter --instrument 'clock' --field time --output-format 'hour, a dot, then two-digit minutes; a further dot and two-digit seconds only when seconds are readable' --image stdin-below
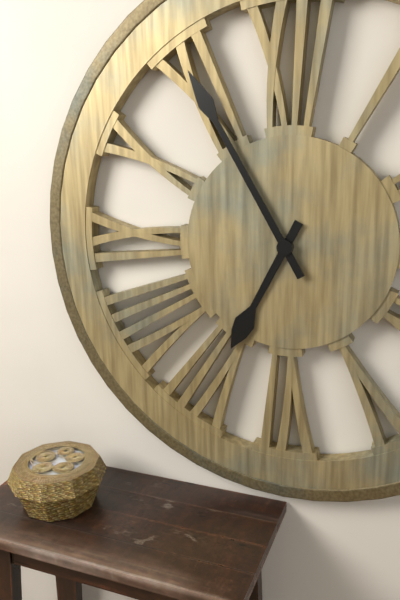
6.55
